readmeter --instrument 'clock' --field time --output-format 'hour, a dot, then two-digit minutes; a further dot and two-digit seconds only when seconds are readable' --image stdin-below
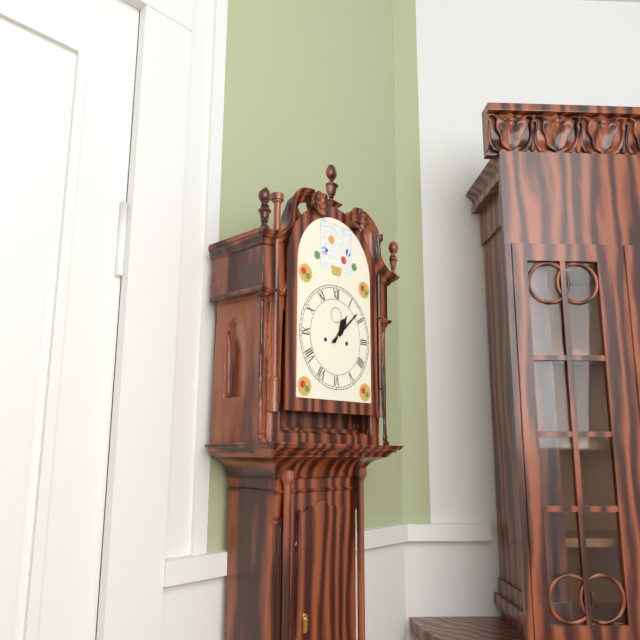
1.08
